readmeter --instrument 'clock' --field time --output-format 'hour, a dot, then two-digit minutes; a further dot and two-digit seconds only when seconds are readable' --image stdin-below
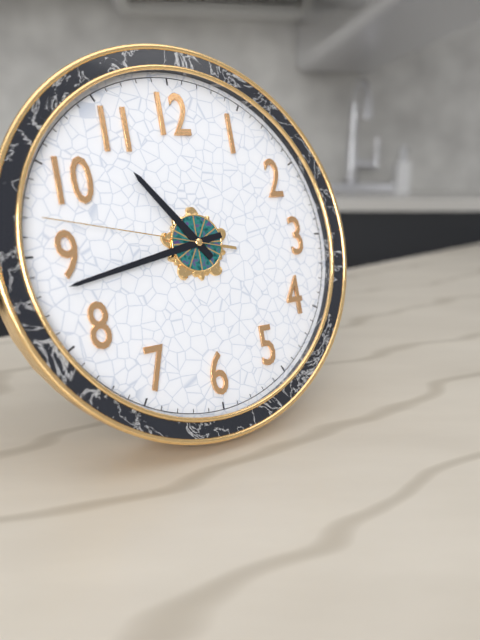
10.43.47
